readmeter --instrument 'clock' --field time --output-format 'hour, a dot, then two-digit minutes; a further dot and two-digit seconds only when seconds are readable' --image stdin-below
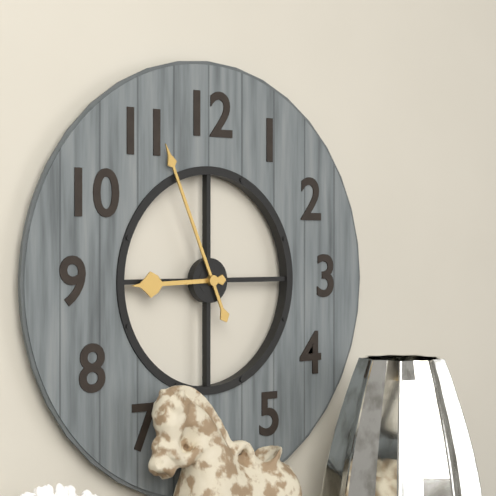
8.56
